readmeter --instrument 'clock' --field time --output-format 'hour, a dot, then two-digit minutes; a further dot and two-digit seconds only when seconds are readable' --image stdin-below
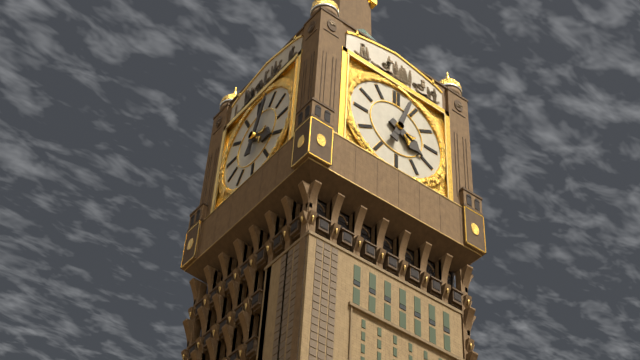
4.03
